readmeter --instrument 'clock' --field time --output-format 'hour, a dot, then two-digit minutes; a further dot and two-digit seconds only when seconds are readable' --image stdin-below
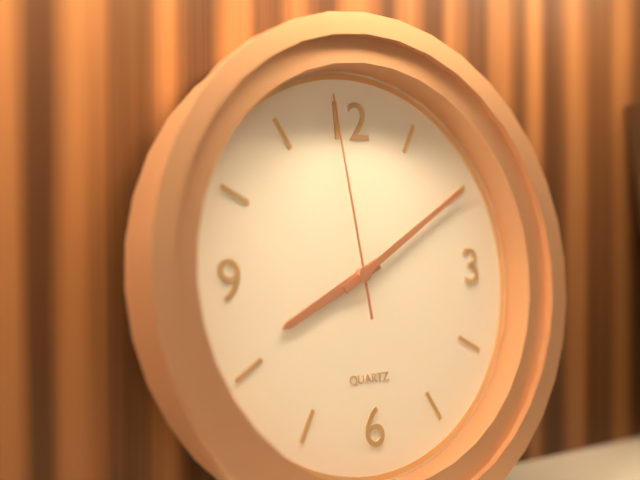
8.10.59
